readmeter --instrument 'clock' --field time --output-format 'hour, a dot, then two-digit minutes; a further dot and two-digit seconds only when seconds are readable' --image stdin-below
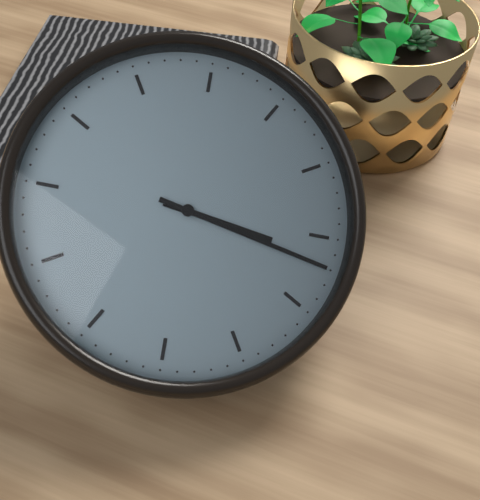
3.17
